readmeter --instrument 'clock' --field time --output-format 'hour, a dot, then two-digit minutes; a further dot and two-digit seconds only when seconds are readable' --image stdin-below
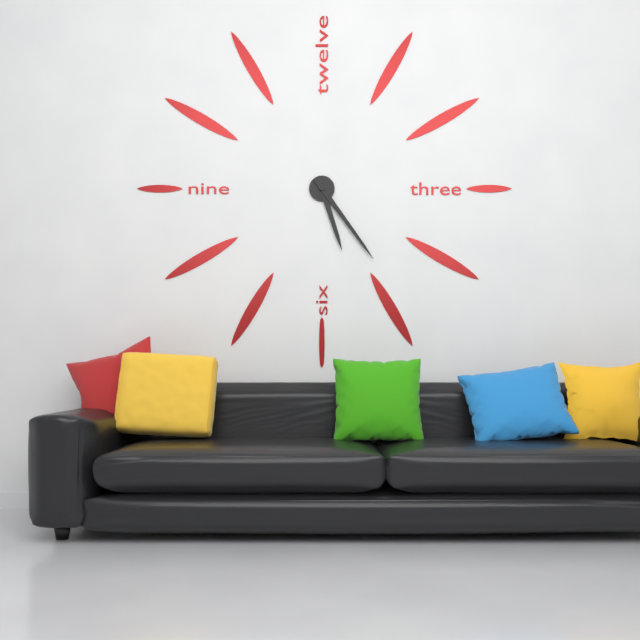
5.24
